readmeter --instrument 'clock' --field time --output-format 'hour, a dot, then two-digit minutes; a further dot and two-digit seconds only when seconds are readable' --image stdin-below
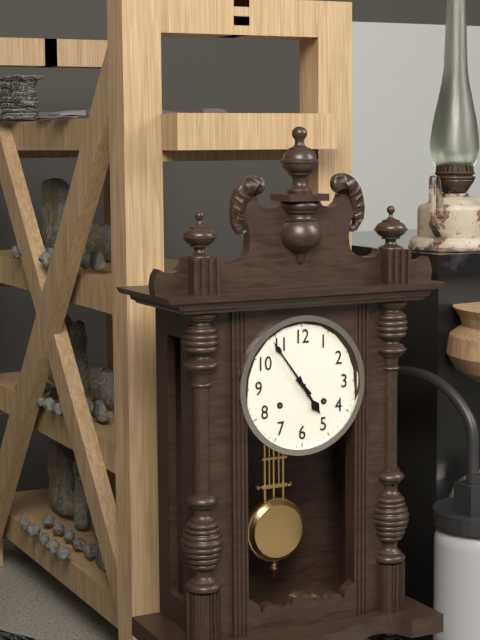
4.54
